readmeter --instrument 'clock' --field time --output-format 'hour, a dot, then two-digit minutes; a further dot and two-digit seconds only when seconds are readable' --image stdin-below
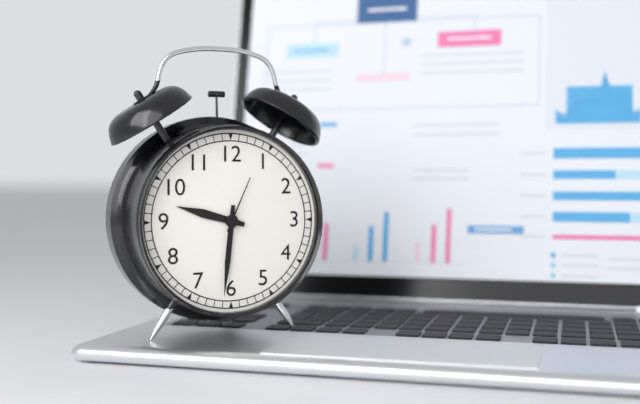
9.31.04
